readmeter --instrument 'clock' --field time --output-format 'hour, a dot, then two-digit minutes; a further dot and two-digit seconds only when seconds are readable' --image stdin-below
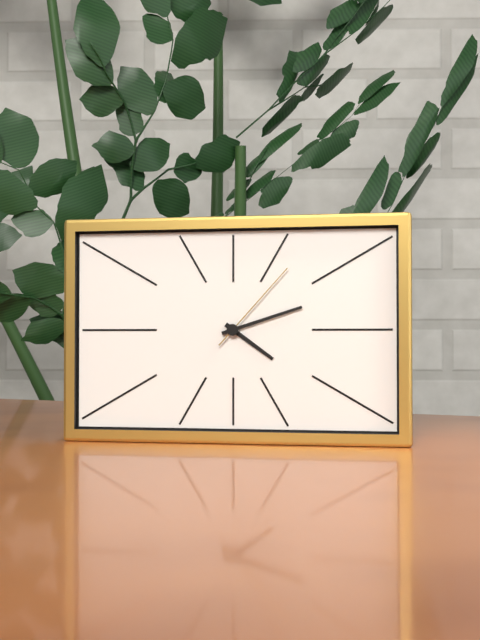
4.12.07
